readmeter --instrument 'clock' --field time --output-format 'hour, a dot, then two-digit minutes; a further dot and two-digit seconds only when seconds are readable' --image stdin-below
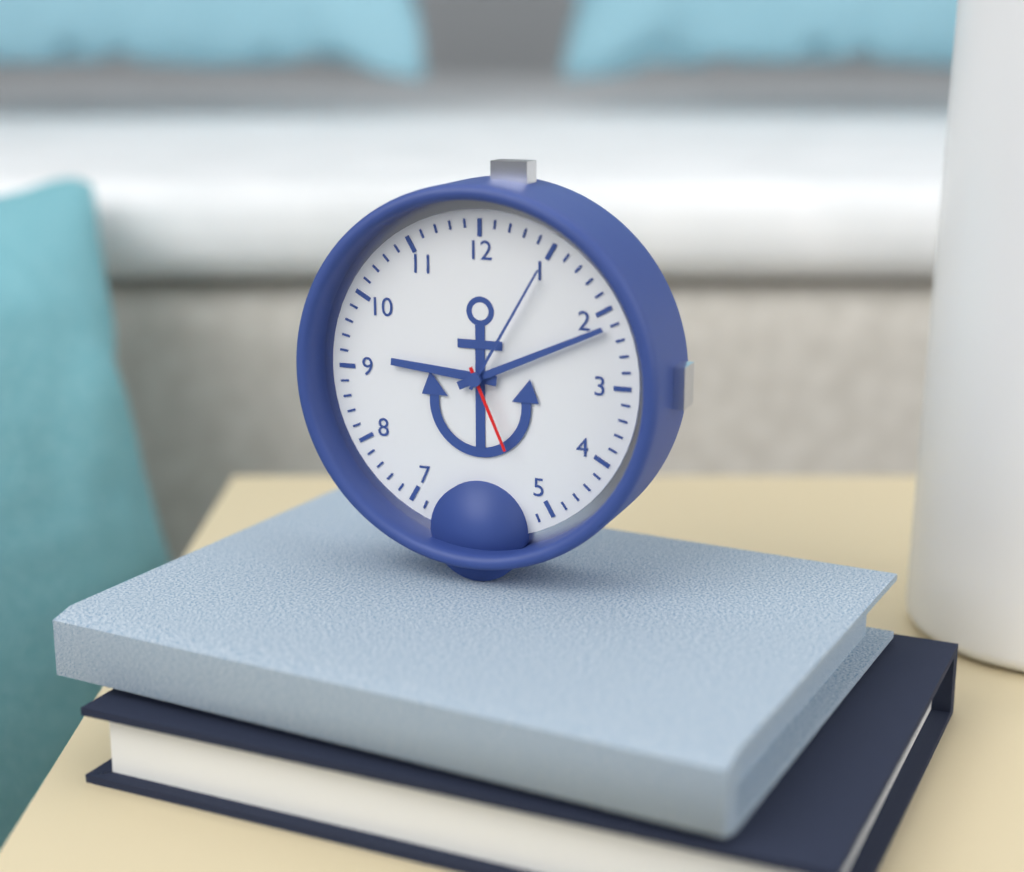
9.11.26
